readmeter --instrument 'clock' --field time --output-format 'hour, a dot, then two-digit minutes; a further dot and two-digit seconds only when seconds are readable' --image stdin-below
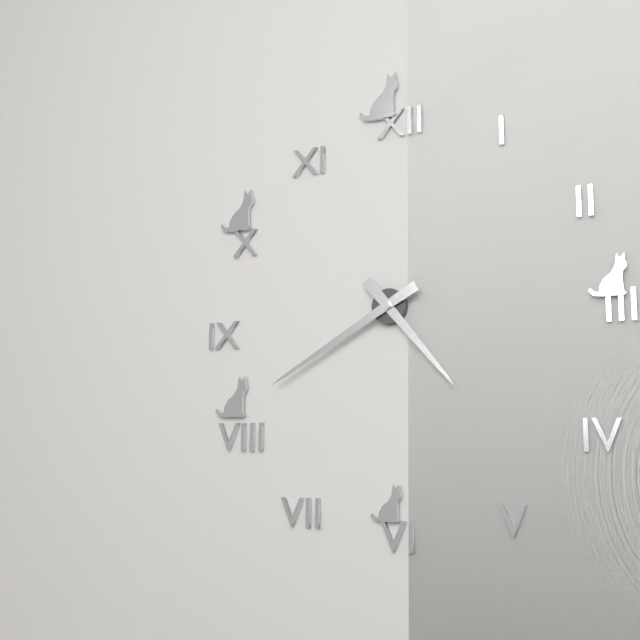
4.40
